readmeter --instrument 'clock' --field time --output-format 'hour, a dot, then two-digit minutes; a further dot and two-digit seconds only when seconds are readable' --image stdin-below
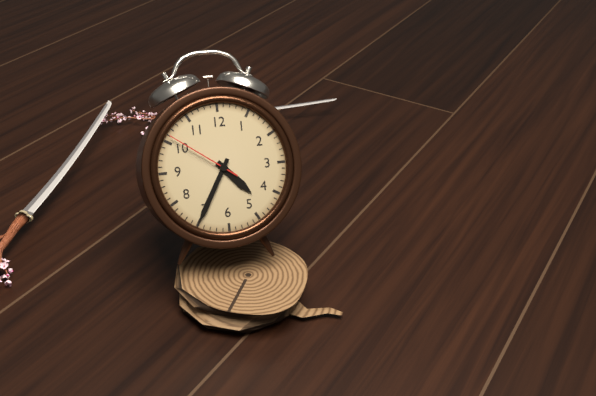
4.35.51
